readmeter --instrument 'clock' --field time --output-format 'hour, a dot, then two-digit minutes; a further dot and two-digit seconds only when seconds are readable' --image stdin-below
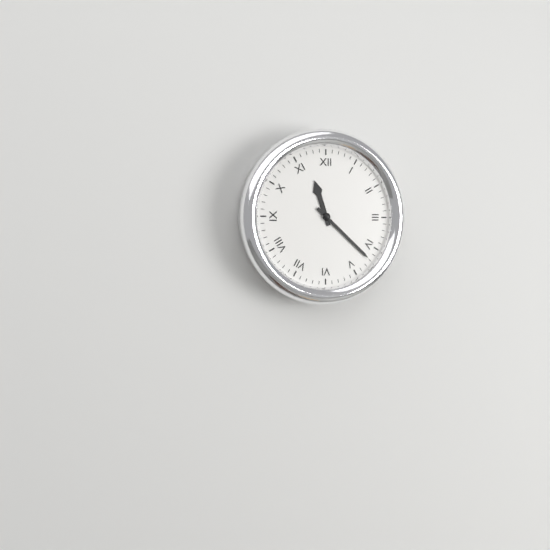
11.22
